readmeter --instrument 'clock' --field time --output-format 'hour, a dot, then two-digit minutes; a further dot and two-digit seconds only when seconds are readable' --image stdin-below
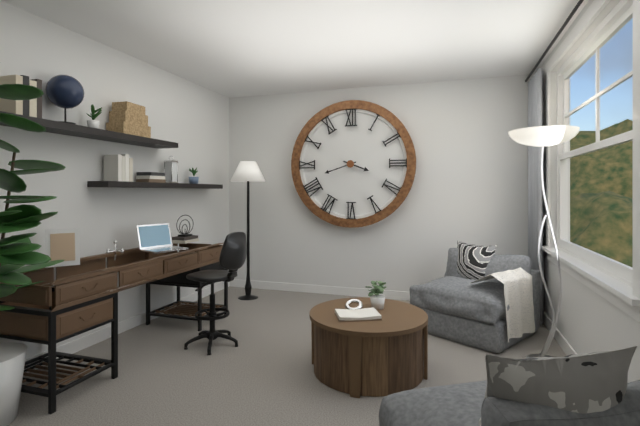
3.42
